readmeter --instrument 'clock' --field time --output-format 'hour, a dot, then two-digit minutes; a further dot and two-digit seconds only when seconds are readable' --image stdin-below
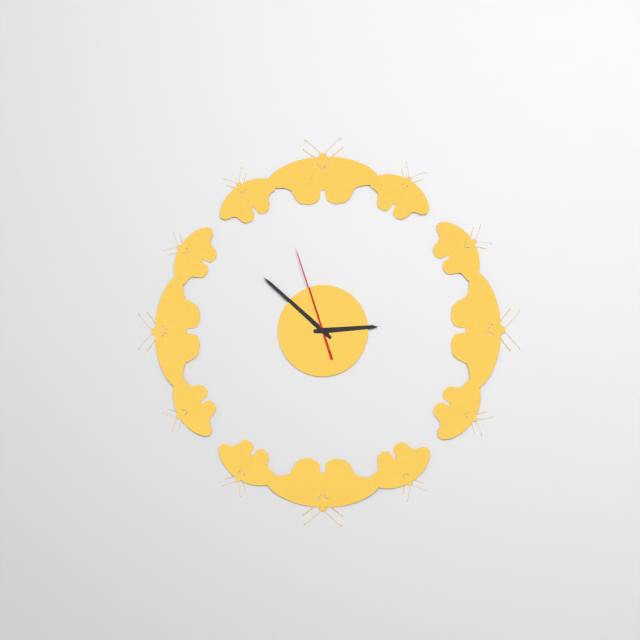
2.52.57
